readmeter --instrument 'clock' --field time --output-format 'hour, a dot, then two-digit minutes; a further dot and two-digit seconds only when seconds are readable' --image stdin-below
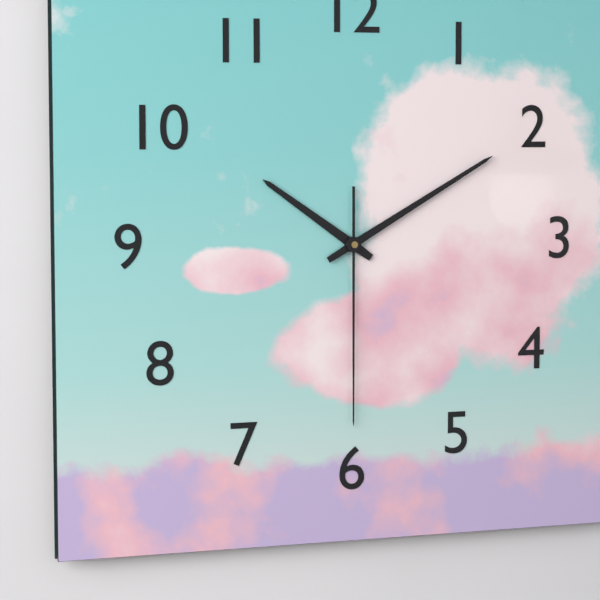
10.10.30
